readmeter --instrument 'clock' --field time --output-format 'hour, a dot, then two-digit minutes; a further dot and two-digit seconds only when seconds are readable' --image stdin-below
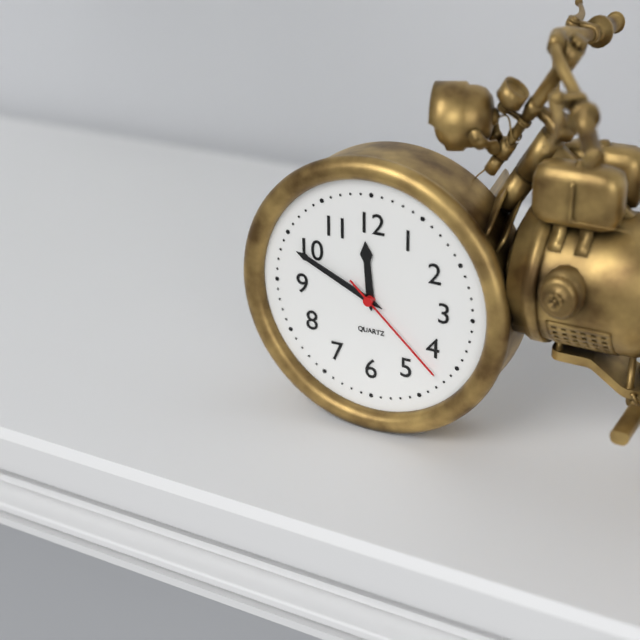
11.49.22
